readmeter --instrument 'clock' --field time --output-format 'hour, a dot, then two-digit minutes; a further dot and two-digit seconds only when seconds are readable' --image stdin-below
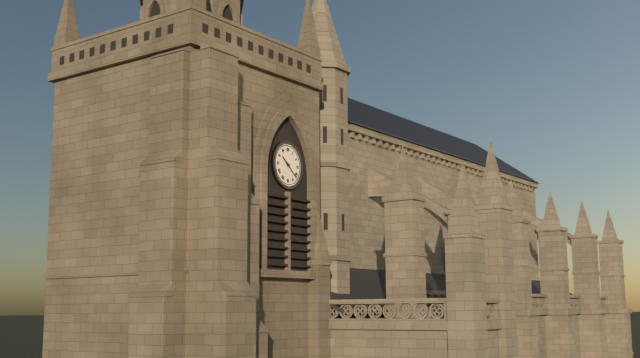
10.22
